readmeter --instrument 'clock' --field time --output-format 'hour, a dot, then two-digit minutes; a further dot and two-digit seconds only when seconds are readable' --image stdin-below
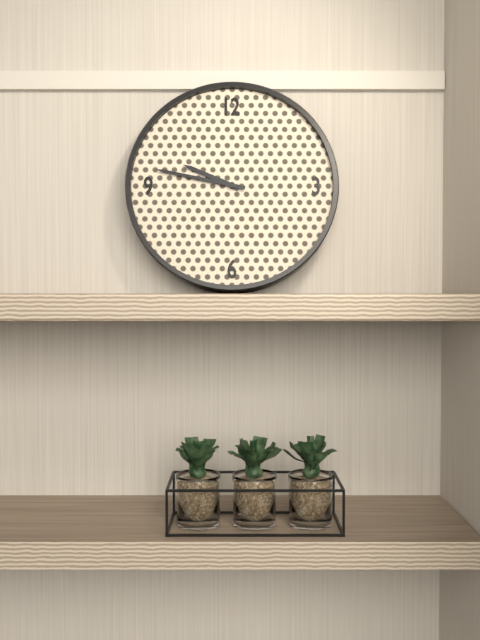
9.47
